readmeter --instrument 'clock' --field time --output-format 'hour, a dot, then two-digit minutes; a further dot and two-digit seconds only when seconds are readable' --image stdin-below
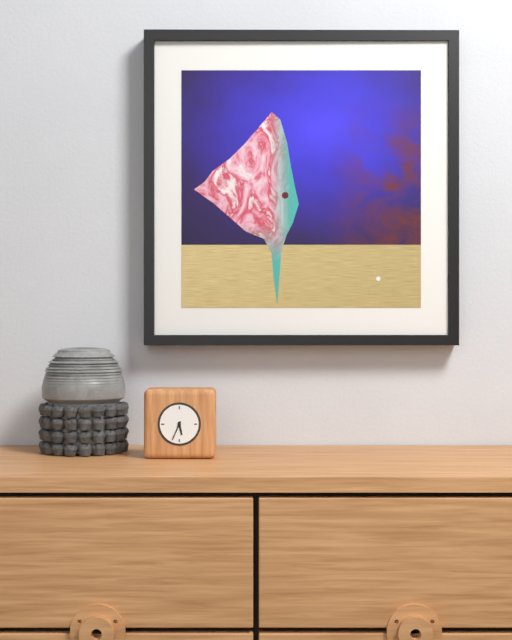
5.34
